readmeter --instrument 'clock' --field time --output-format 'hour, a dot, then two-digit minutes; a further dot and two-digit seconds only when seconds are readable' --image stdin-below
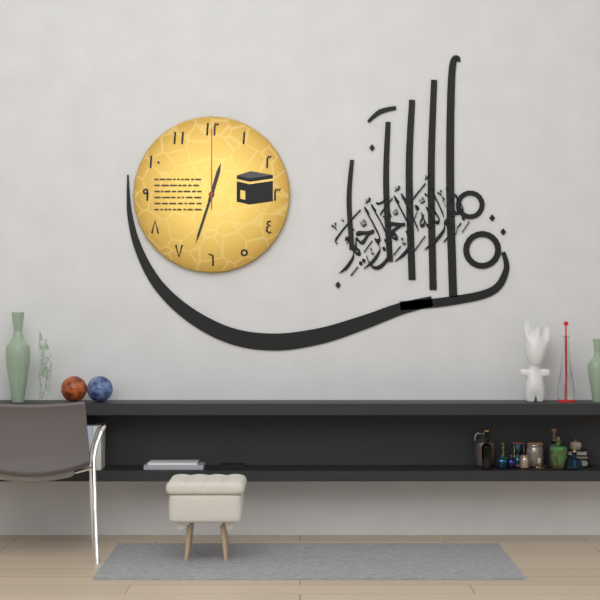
12.33.00
